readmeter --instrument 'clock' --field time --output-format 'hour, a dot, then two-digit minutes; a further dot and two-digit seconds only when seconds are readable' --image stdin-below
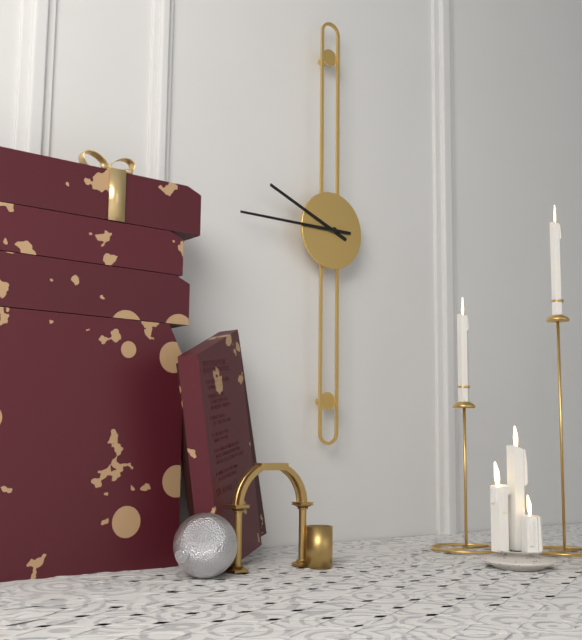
9.45
